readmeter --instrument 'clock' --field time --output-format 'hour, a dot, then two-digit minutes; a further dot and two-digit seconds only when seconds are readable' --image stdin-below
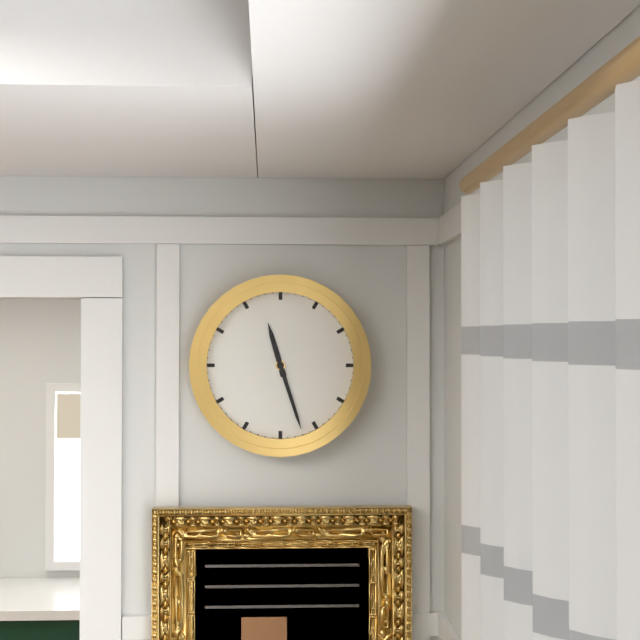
11.27
